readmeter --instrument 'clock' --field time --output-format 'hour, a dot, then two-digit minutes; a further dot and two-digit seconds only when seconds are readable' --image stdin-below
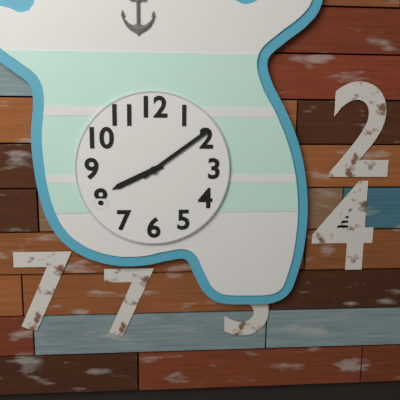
8.09
